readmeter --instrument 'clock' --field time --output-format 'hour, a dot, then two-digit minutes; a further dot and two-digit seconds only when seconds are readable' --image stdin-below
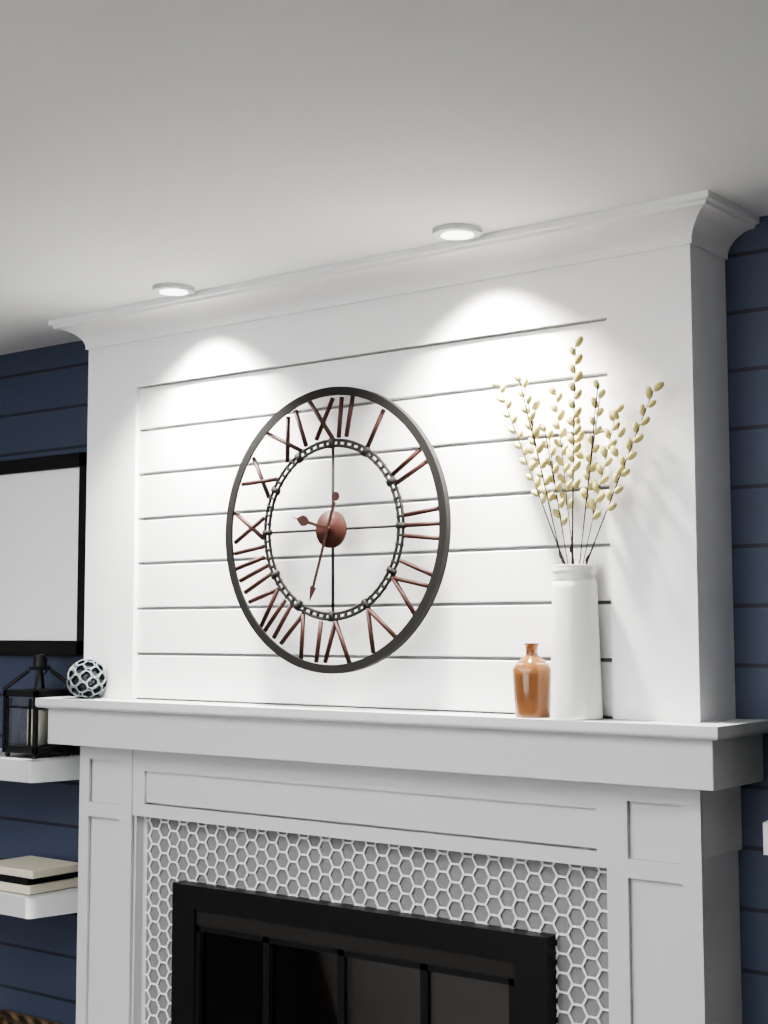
9.33
